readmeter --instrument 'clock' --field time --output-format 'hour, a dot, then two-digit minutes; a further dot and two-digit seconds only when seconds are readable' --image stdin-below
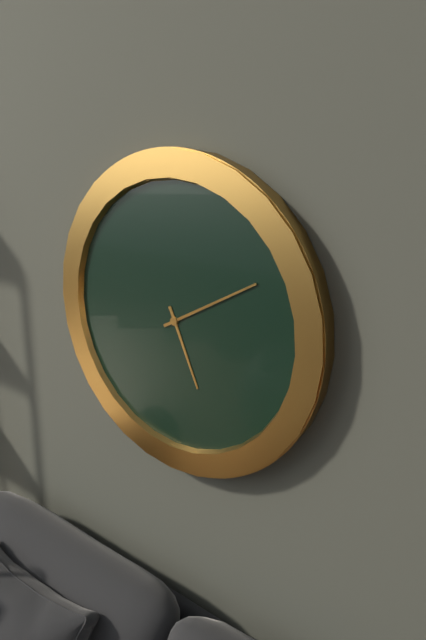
5.10
